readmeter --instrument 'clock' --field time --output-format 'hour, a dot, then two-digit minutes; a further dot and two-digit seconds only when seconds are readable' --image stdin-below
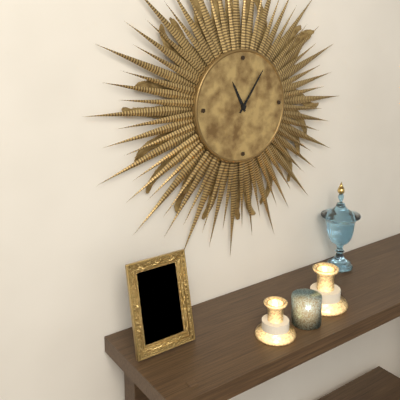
11.06
